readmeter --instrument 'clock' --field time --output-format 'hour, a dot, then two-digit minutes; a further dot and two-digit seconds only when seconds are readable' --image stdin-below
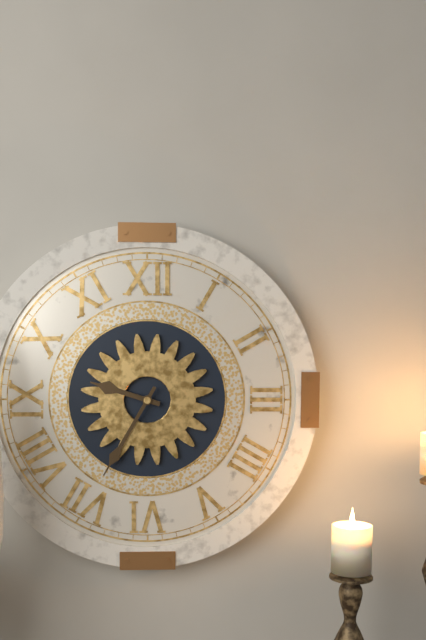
9.35
